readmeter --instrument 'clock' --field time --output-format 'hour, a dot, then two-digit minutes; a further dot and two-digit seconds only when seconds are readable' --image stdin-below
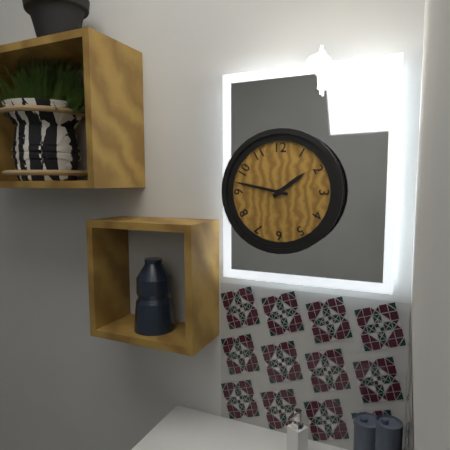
1.47
